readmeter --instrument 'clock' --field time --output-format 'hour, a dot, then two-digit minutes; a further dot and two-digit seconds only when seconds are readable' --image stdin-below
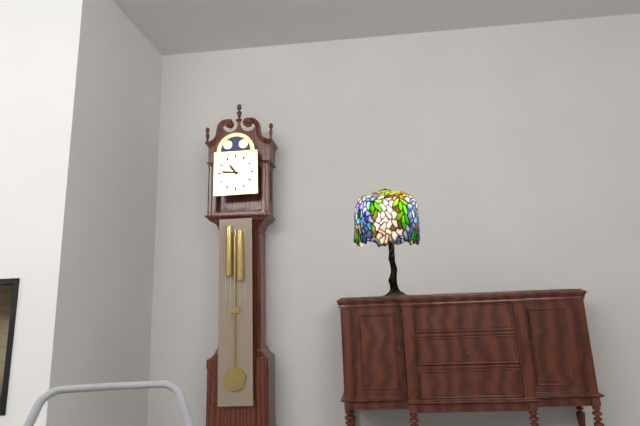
10.46
